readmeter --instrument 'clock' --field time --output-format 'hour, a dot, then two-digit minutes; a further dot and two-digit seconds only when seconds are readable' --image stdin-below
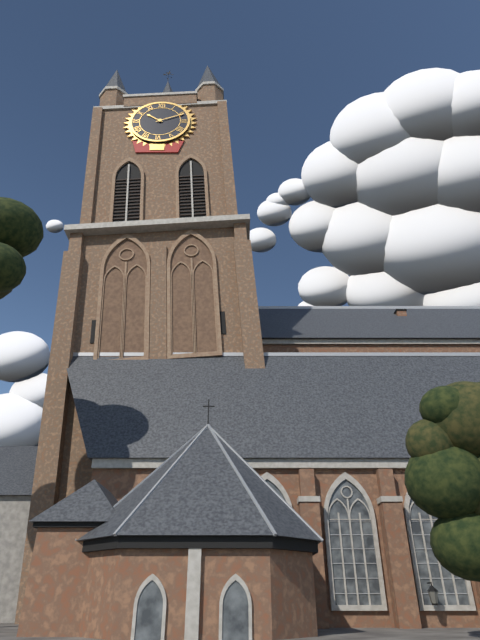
10.11
